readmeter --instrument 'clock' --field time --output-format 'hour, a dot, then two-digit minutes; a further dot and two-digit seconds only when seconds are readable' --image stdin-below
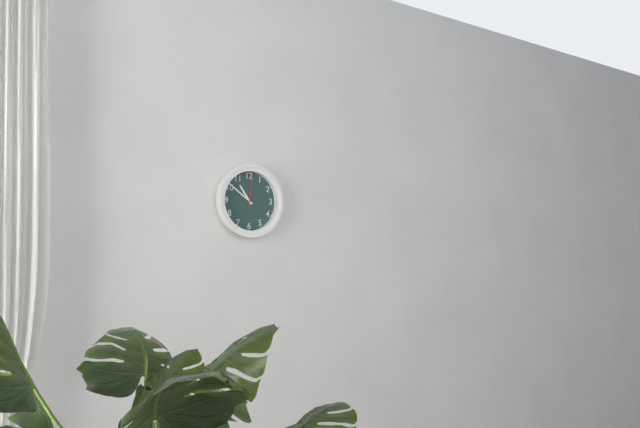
10.51
